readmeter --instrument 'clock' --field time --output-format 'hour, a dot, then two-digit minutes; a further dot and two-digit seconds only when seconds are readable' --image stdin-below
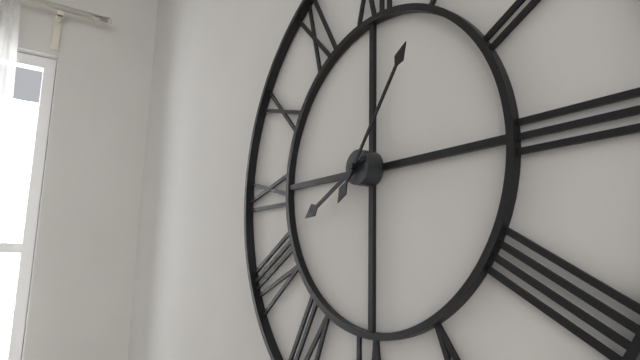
8.06
